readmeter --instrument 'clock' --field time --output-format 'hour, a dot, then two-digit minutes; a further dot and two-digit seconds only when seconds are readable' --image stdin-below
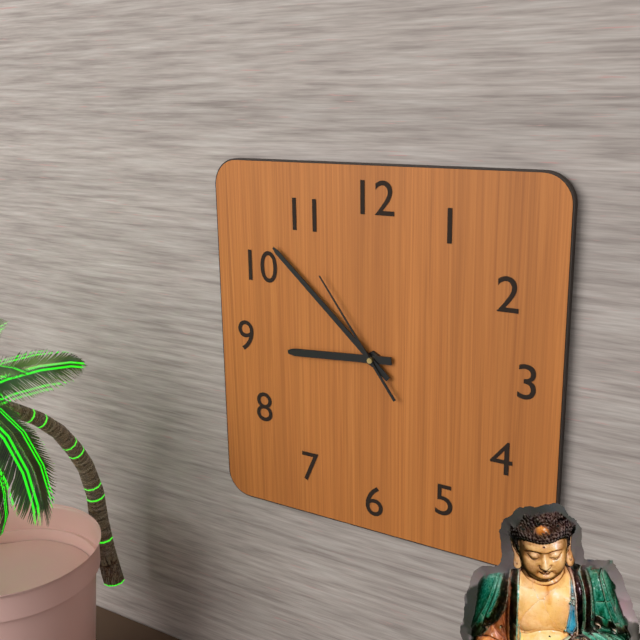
8.52.54
